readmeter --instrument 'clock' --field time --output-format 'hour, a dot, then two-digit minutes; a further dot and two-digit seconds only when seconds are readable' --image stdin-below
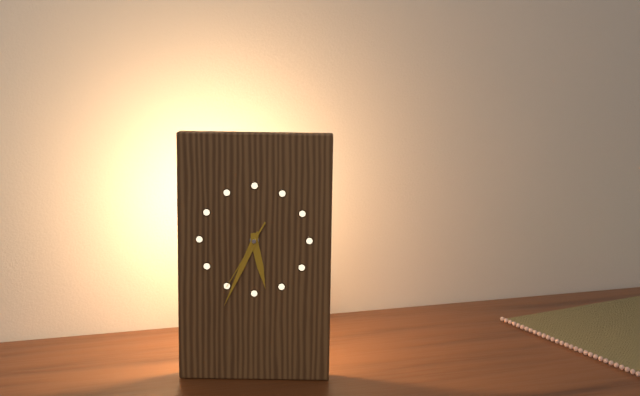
5.34.35
